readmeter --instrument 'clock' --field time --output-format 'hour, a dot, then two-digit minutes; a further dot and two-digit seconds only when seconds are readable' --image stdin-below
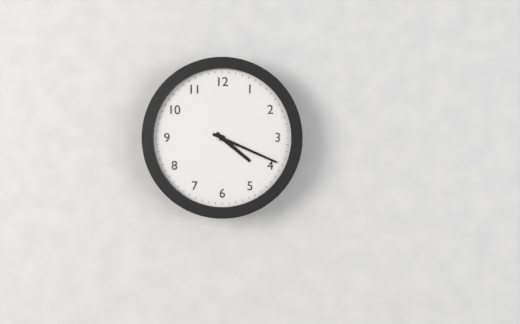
4.19
